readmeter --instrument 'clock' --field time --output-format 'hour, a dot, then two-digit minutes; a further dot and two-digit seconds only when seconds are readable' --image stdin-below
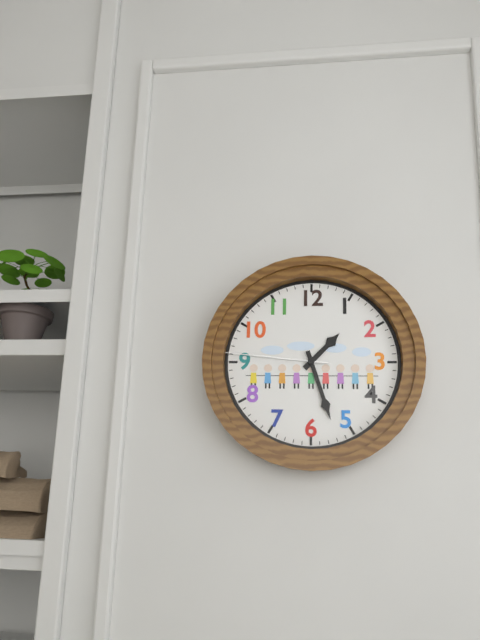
1.27.46
